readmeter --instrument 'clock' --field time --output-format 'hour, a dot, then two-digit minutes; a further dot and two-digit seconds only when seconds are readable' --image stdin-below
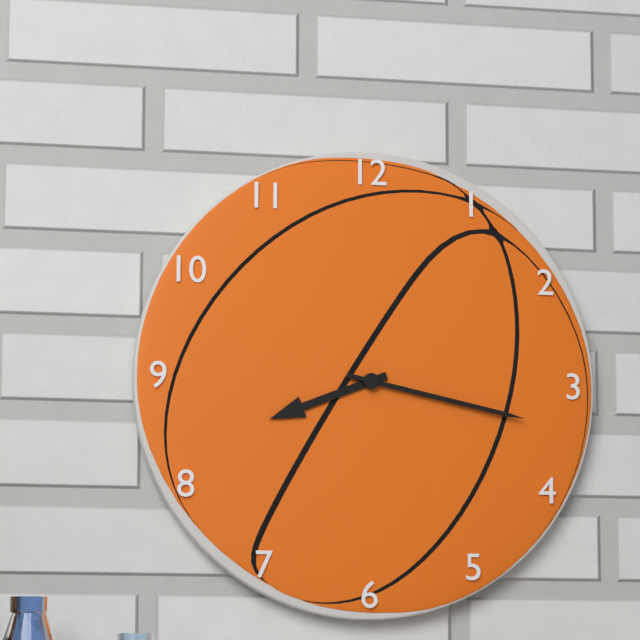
8.17
